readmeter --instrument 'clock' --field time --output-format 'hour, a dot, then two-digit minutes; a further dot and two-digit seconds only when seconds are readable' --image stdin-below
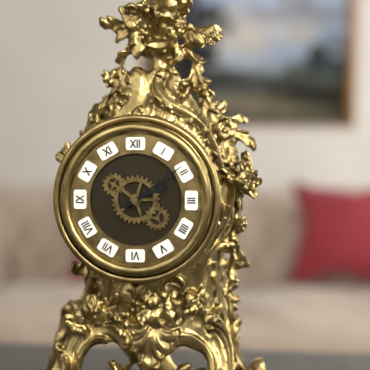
2.09
